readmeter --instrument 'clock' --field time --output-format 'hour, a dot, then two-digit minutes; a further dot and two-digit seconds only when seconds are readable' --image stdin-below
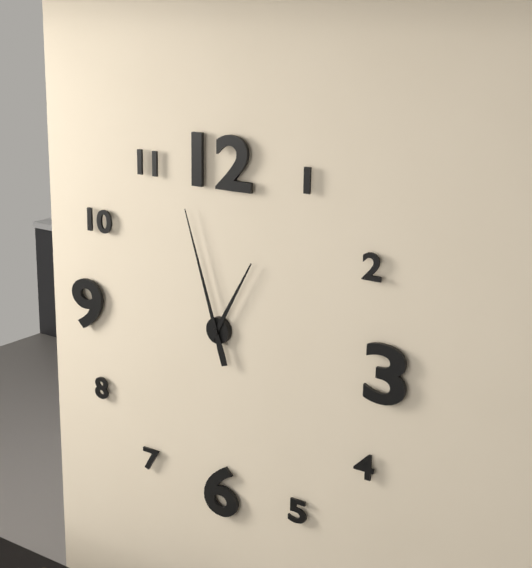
12.57
